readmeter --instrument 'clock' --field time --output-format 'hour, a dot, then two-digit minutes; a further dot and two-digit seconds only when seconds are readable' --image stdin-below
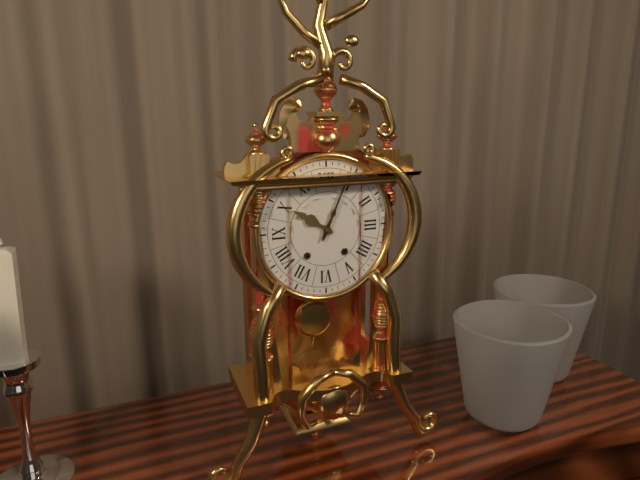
10.04
